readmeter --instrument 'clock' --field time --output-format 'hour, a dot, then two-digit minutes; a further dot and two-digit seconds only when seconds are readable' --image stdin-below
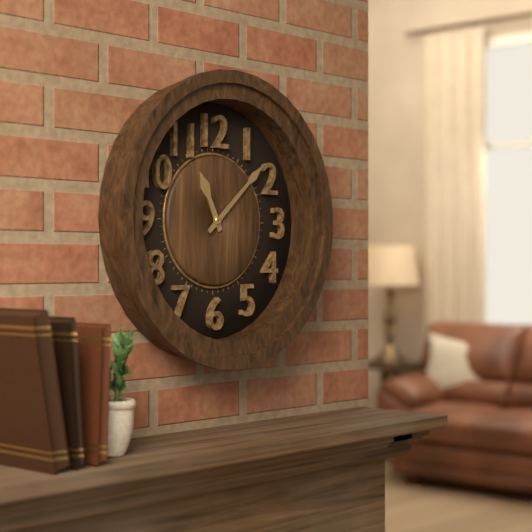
11.08
